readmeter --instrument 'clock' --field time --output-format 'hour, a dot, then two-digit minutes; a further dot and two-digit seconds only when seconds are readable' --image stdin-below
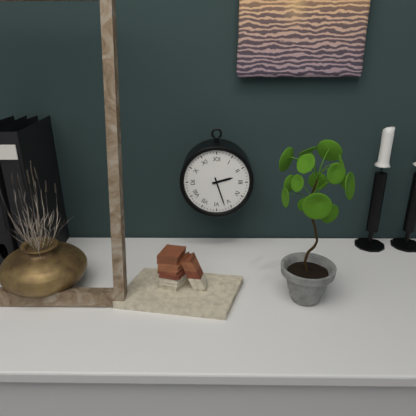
2.27
